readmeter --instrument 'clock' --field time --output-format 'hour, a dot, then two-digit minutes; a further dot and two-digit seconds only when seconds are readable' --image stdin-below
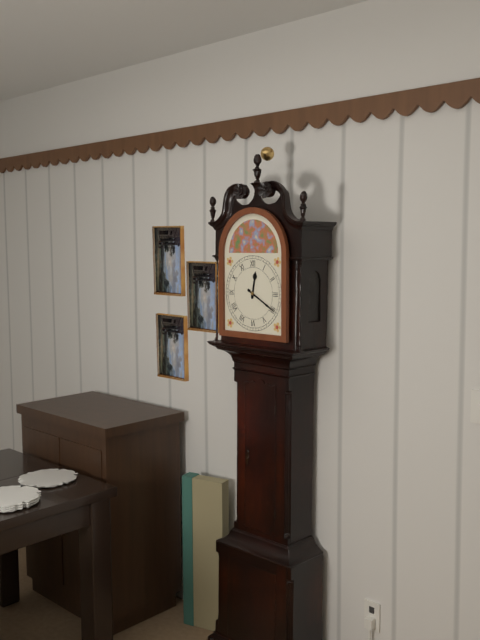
12.20
